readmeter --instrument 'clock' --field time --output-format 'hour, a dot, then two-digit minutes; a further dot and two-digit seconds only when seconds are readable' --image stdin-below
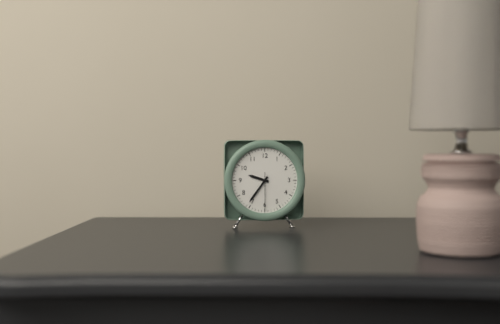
9.36
